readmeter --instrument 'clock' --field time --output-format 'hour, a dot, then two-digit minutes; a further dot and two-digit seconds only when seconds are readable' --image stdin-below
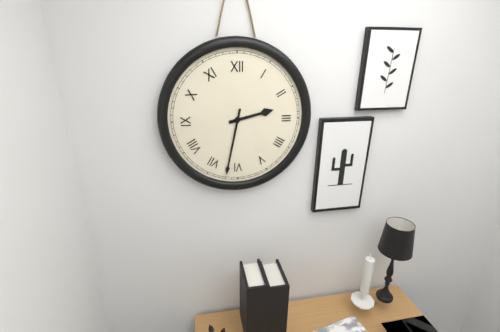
2.32
